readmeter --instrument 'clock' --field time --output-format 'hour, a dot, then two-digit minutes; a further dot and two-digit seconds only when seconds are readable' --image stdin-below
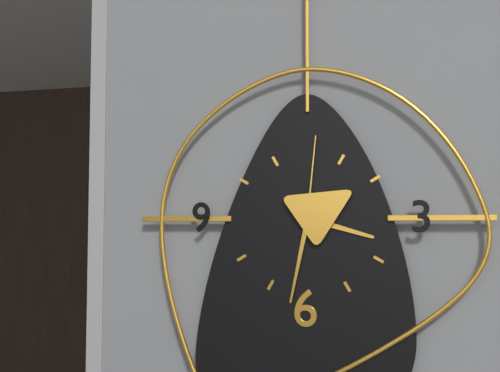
3.32.01
